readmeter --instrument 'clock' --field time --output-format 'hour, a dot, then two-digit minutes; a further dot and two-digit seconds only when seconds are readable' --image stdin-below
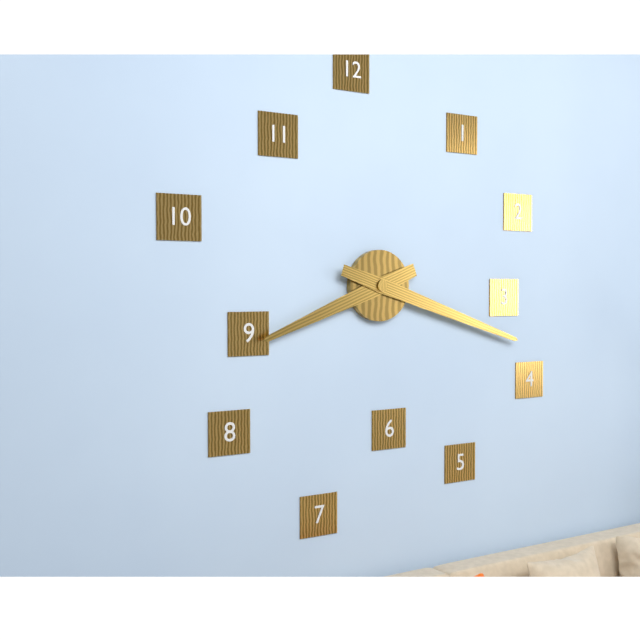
8.18
